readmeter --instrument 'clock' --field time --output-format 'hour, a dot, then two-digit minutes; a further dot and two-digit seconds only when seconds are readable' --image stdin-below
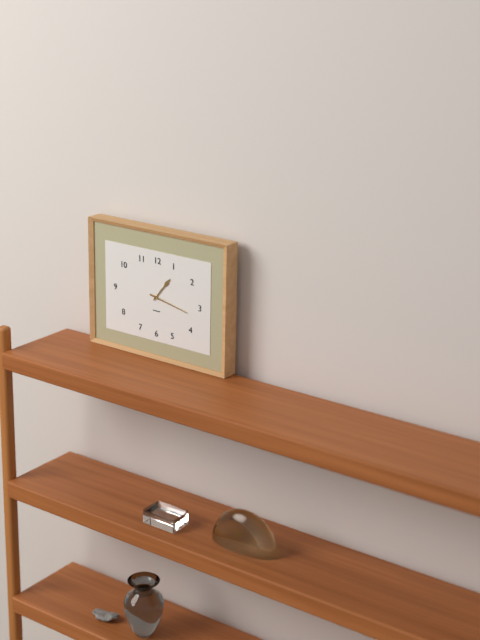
1.17
